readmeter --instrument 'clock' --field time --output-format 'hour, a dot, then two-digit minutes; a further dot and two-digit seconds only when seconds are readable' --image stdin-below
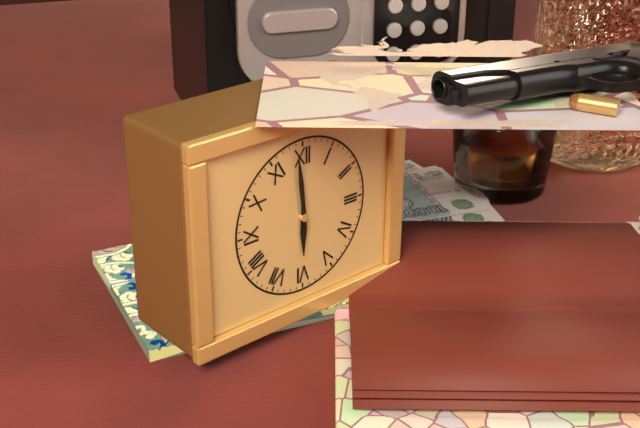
5.59
